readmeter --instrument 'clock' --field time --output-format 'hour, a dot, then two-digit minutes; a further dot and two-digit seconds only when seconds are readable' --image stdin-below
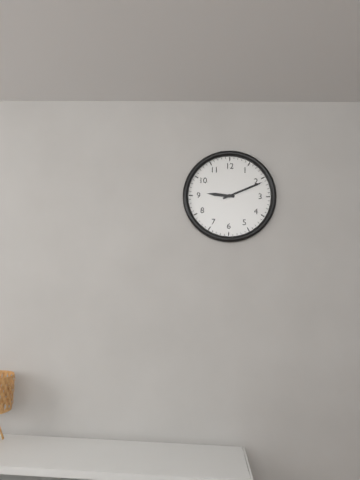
9.11
